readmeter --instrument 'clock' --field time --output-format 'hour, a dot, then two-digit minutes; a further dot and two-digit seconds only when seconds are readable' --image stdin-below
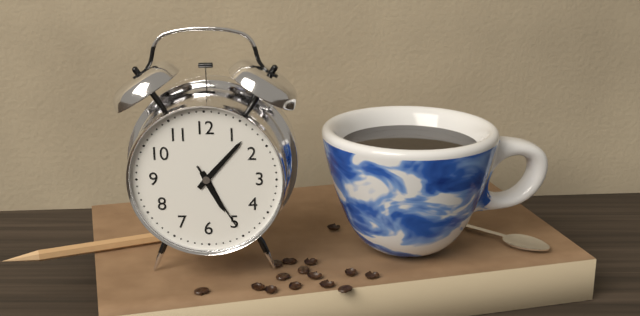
5.07.25
